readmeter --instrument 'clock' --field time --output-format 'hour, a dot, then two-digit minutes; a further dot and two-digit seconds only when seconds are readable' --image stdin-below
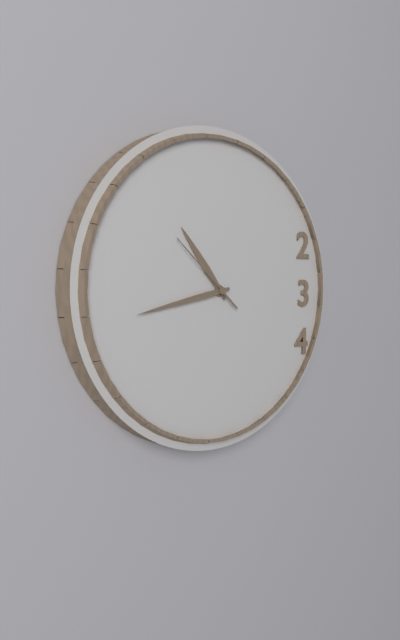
10.43.52
